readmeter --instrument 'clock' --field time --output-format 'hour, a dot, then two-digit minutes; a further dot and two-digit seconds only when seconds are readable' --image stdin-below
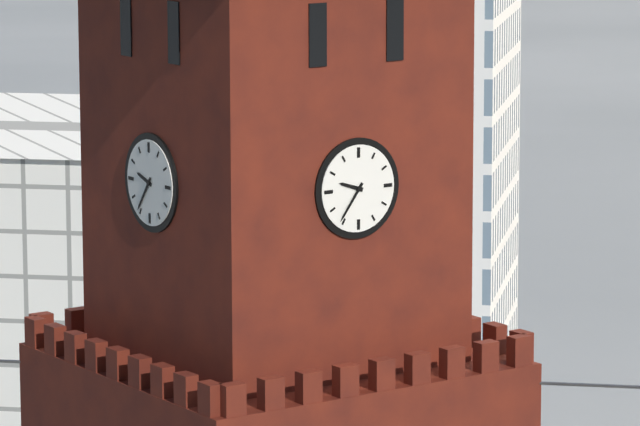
9.36
